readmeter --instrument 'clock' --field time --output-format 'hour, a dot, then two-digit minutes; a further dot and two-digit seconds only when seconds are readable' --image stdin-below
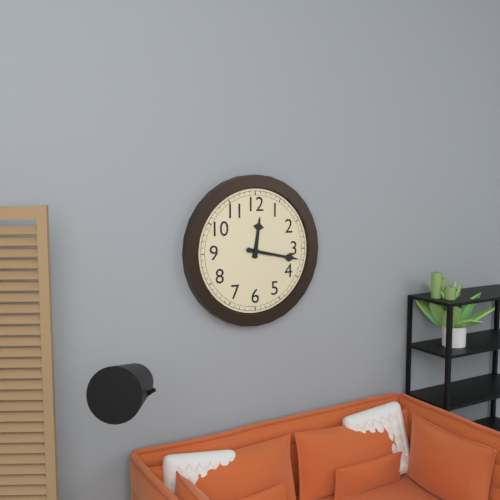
12.17
